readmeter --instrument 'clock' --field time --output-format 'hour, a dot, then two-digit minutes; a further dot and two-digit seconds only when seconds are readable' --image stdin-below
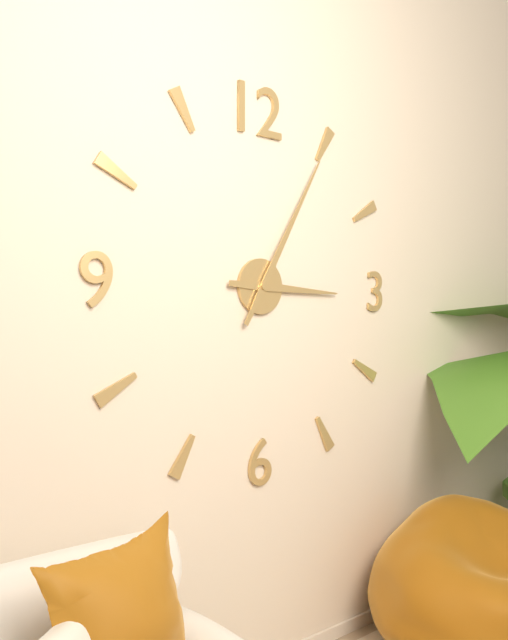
3.05
